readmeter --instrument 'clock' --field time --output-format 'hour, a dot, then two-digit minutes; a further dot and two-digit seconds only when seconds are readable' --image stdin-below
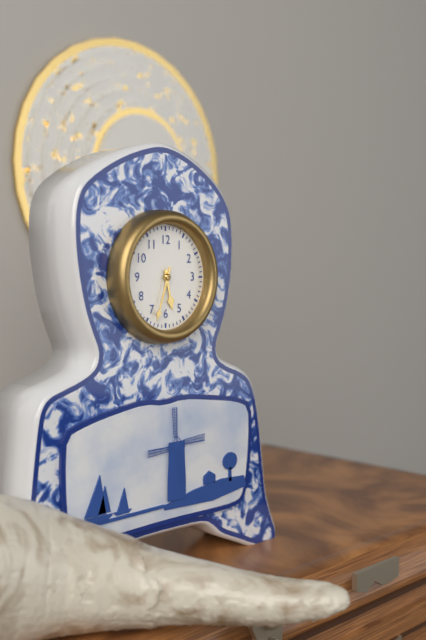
5.33
